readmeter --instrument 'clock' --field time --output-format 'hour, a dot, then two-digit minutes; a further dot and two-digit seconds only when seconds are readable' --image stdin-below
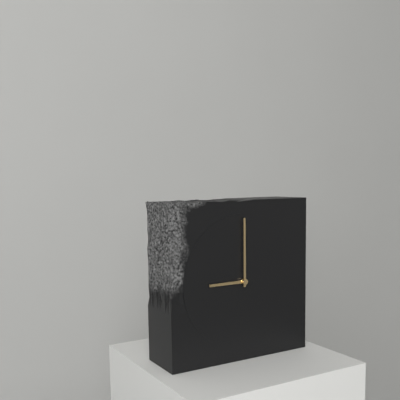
9.00
